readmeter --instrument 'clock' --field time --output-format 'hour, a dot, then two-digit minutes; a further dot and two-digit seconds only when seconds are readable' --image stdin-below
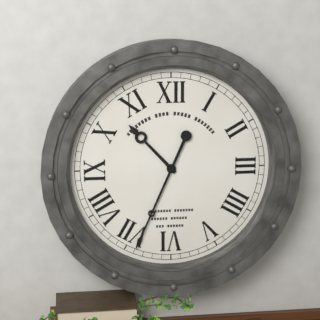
10.34
